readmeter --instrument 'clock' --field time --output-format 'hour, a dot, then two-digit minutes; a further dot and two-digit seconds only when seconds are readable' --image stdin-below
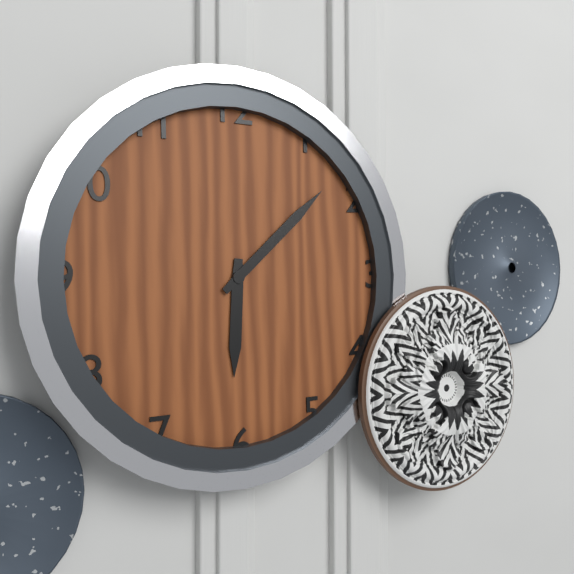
6.08
